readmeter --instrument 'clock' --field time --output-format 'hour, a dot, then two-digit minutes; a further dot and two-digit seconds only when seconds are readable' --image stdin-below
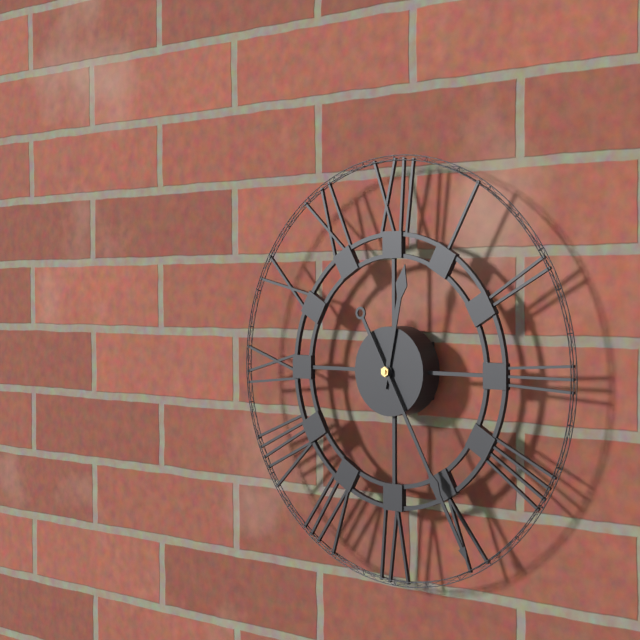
12.25
